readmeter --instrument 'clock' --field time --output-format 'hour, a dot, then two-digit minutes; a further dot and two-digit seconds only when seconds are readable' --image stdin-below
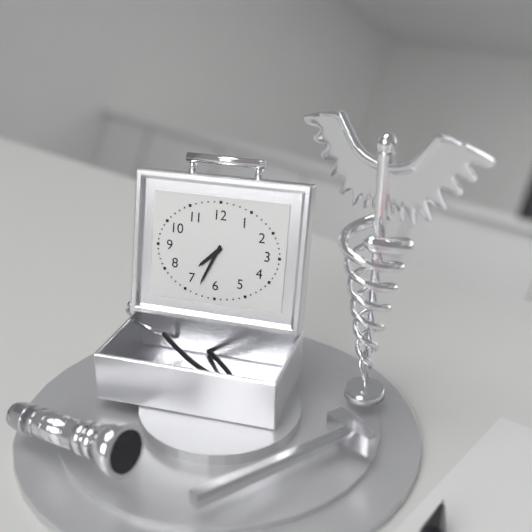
7.34
